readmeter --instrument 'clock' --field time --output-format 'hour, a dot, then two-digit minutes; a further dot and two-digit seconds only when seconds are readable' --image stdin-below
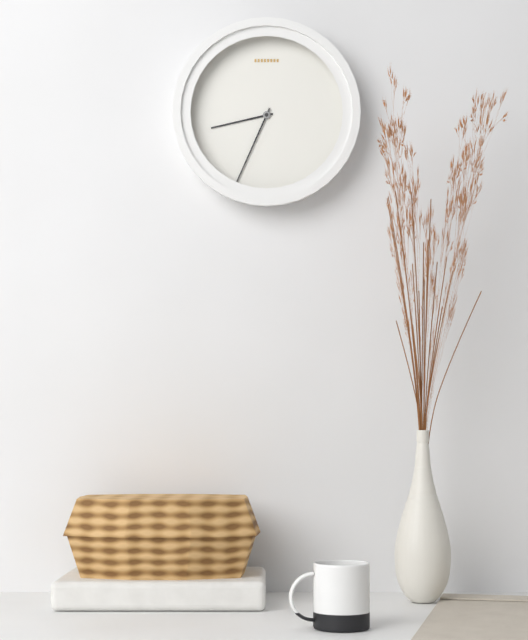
8.34
